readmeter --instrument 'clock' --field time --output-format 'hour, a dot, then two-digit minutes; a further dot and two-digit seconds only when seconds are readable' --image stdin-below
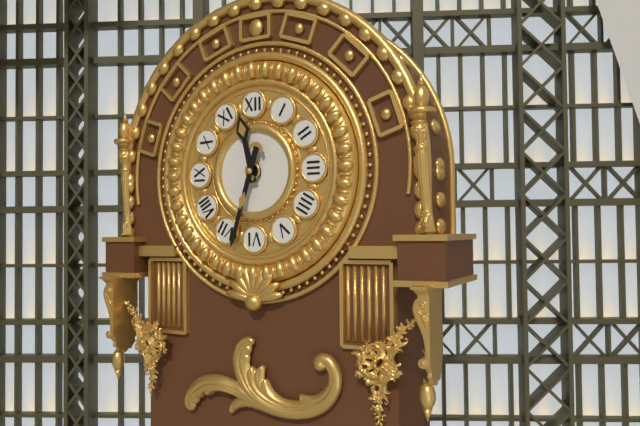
11.33
